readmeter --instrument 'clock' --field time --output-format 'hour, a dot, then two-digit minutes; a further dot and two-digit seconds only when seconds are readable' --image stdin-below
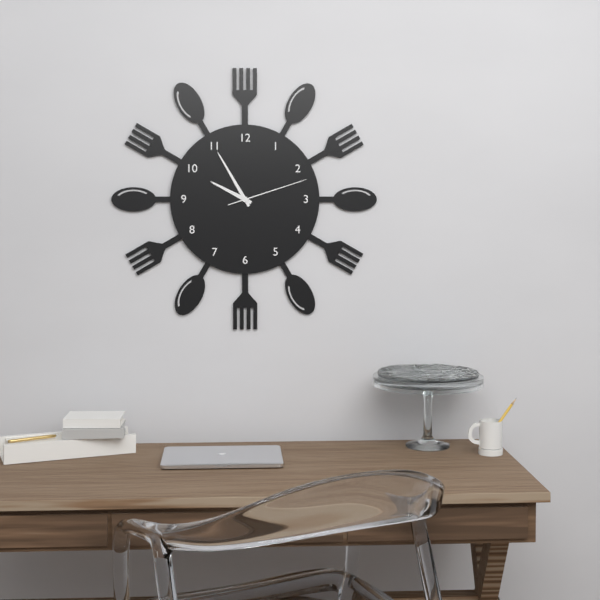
9.55.12
